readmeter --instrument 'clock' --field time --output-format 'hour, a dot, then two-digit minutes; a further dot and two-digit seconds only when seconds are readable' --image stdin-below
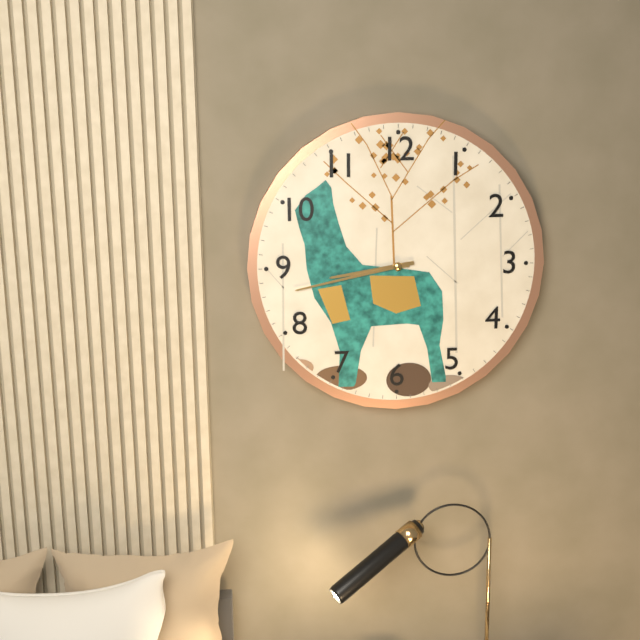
8.43
